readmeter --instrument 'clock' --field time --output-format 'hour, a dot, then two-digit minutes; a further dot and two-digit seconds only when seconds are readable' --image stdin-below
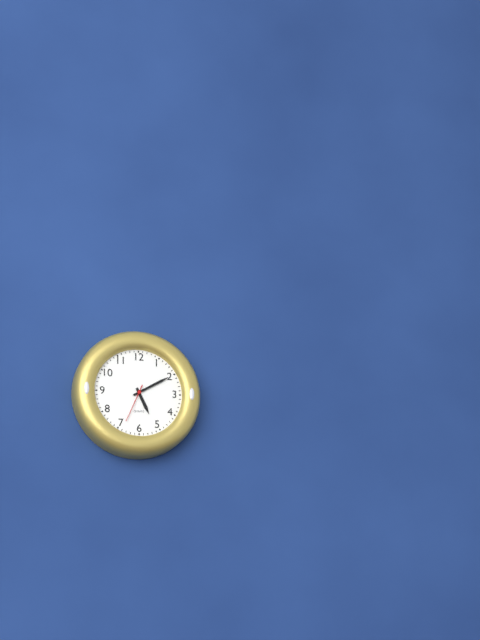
5.10
